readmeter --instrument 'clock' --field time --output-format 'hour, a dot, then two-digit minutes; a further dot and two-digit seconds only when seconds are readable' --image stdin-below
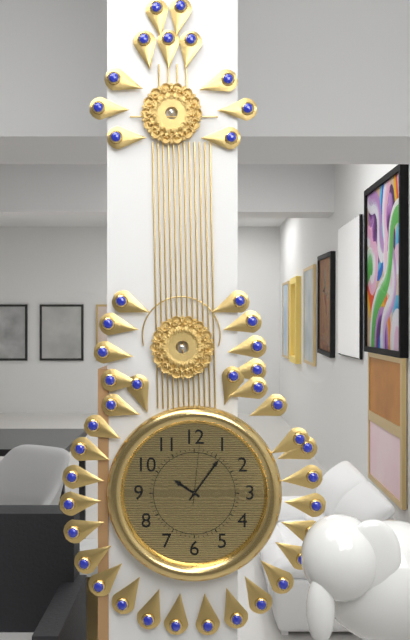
10.06.01
